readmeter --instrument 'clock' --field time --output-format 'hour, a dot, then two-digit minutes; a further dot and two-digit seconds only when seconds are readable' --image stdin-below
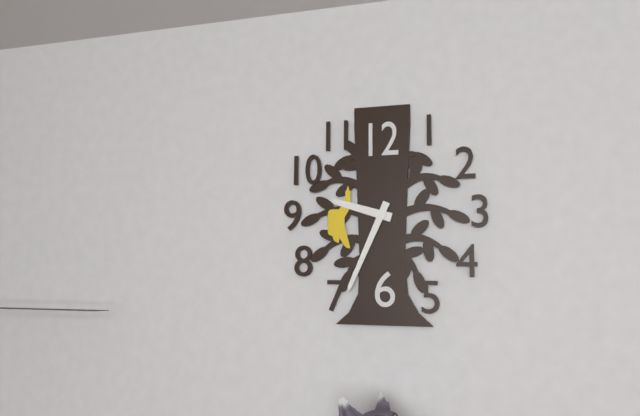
9.34
